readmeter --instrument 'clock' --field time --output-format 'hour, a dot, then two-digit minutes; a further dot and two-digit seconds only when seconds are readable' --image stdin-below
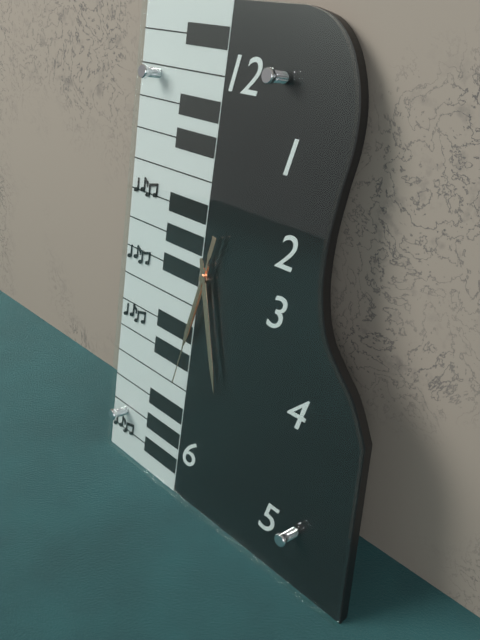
6.27.32
